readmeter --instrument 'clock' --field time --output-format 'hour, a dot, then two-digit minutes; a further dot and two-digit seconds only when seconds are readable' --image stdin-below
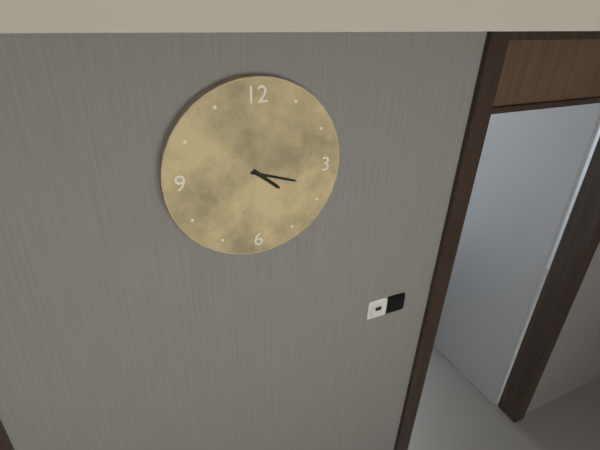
4.18
